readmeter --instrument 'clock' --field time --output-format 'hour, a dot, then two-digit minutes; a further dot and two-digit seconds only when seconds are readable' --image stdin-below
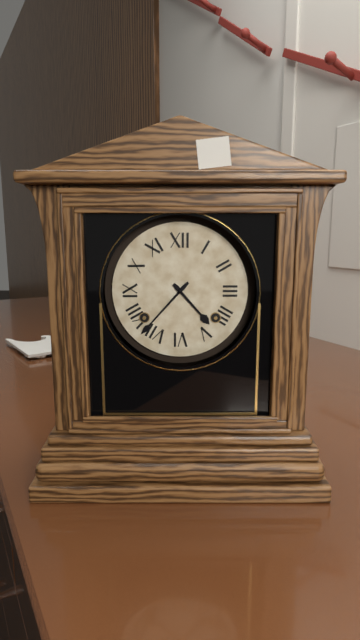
4.37
